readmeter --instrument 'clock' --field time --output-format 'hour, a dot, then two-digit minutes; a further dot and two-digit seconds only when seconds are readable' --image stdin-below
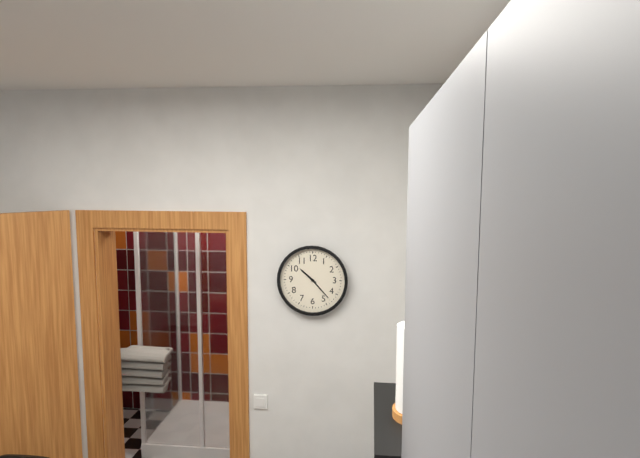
10.23
